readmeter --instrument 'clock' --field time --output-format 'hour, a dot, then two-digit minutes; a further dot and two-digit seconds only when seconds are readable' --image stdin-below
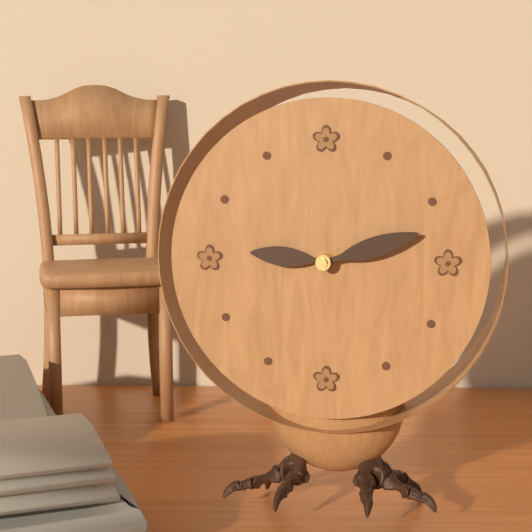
9.12
